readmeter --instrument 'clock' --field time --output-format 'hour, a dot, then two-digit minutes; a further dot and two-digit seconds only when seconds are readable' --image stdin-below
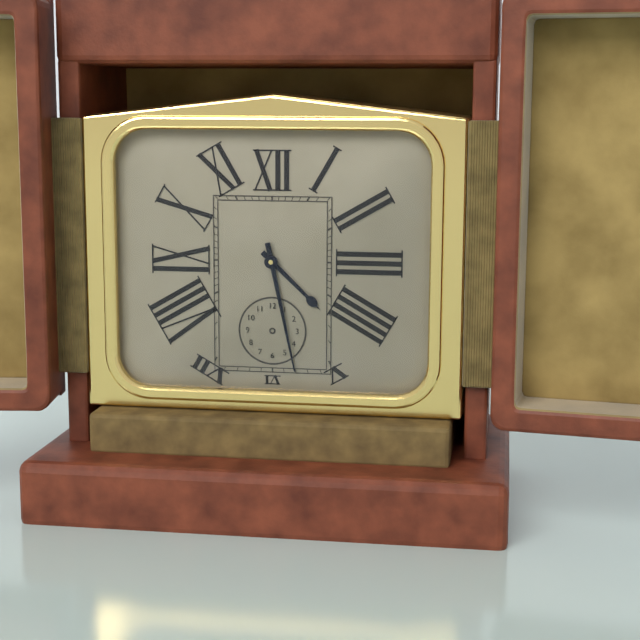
4.28
